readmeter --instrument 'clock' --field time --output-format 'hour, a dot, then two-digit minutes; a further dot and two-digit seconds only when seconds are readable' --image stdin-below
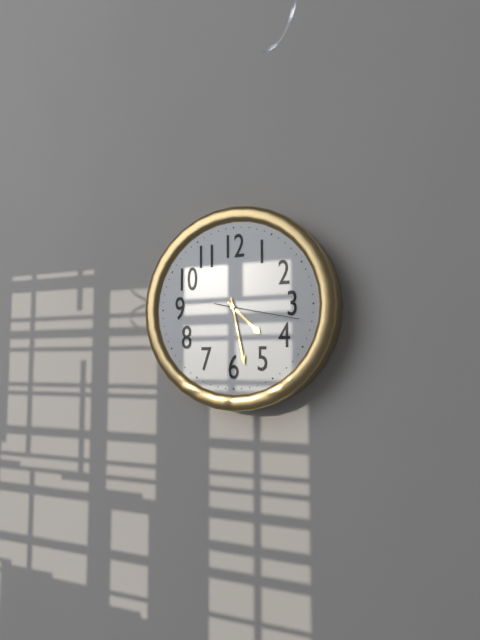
4.28.17
